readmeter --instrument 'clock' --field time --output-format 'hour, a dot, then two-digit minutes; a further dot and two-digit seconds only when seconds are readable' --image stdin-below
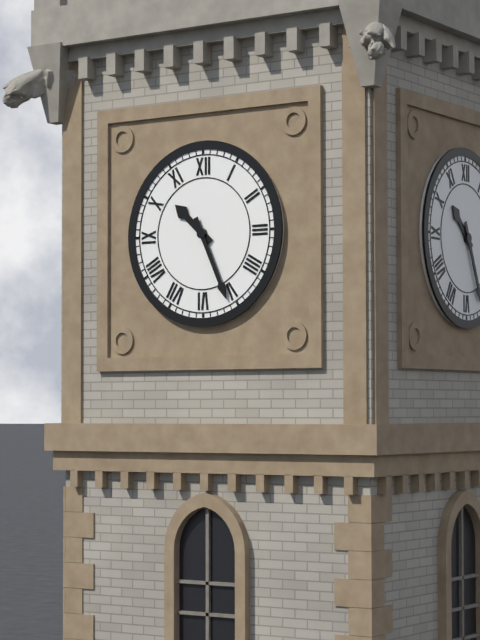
10.26
